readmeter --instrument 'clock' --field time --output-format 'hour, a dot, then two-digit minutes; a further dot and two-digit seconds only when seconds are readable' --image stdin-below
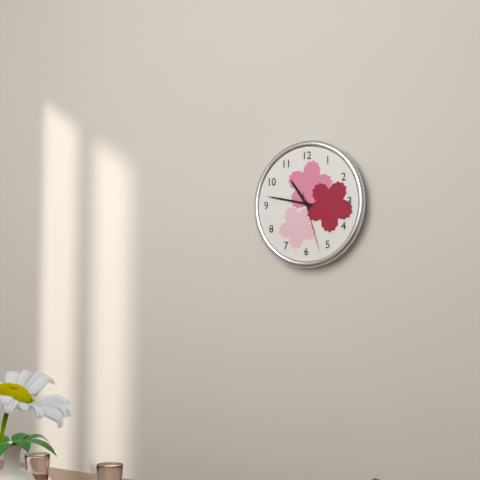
10.47.27
